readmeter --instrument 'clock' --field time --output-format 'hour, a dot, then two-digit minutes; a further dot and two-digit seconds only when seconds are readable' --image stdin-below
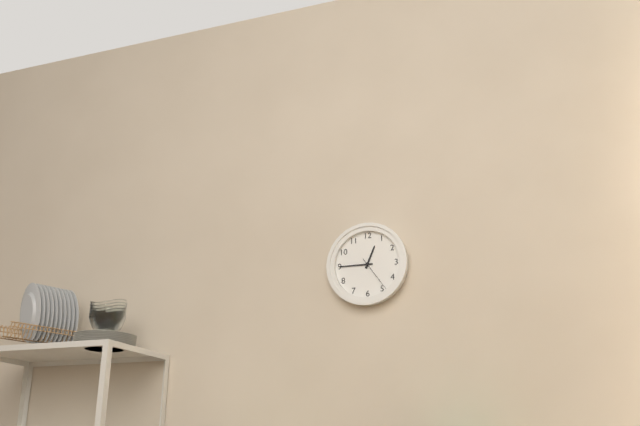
12.45
